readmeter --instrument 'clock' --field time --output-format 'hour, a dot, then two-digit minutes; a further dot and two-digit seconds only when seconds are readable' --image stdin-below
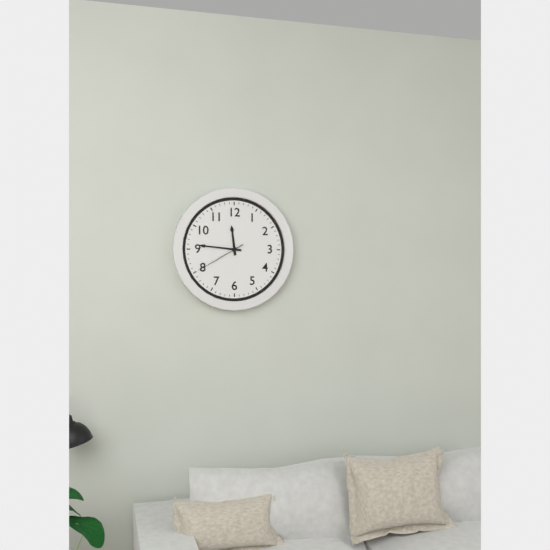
11.46.40
